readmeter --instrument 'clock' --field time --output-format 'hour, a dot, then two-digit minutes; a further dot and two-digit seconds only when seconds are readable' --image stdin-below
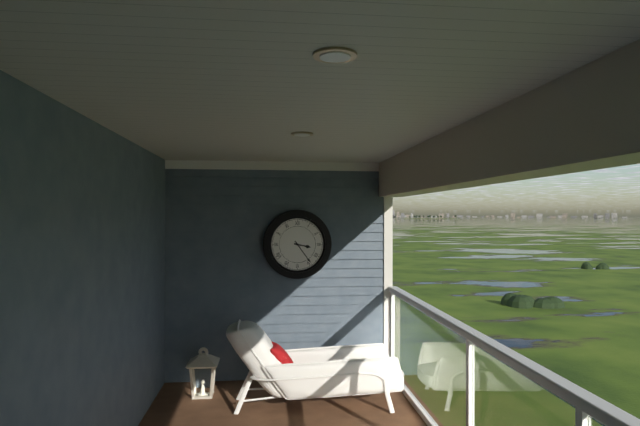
3.24
